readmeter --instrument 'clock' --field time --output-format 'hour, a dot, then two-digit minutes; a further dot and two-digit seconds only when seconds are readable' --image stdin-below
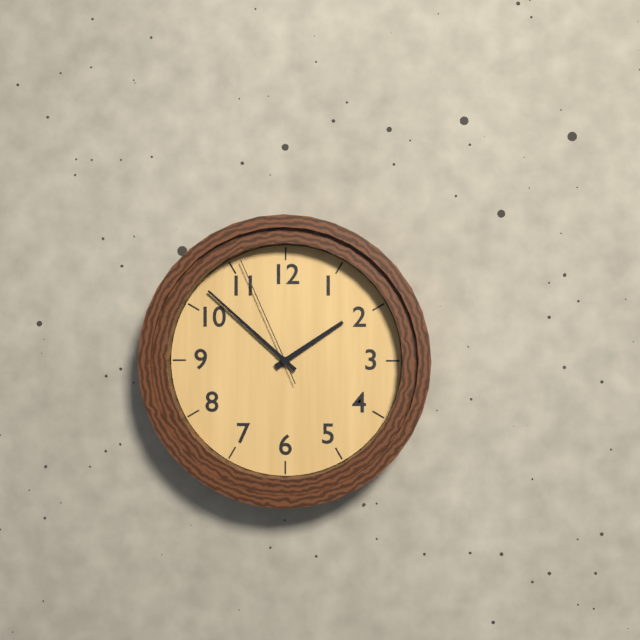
1.52.56
